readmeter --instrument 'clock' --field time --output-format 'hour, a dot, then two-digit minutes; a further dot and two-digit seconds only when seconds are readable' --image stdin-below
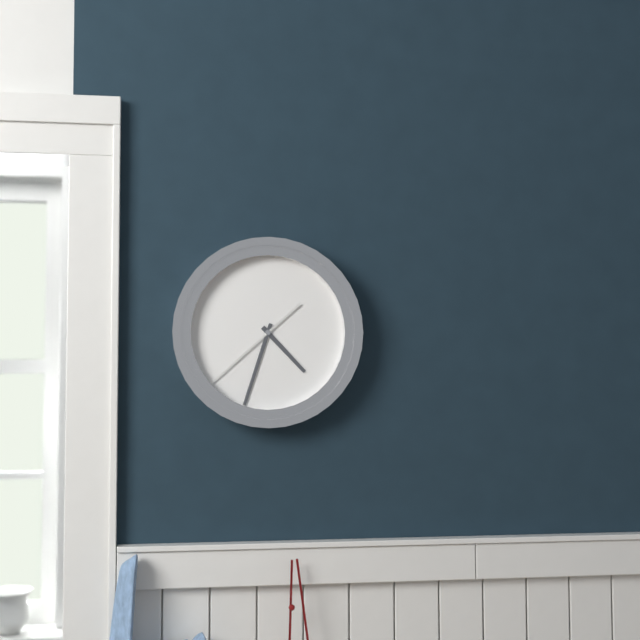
4.33.38
